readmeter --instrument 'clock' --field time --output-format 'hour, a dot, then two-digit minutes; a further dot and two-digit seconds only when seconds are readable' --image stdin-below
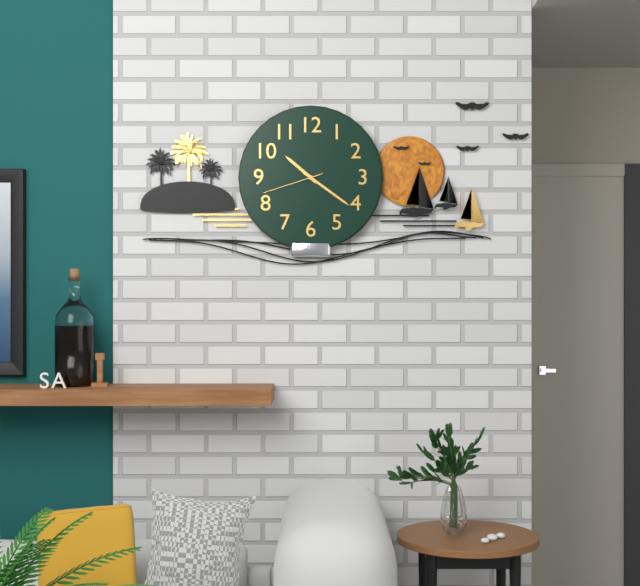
10.21.42
